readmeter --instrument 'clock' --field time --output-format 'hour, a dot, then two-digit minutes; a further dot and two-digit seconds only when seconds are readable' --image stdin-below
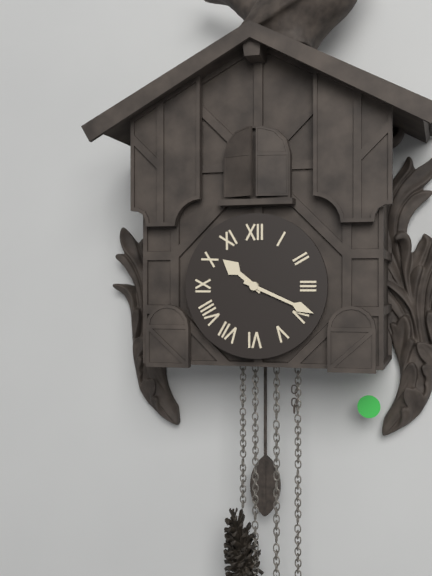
10.19
